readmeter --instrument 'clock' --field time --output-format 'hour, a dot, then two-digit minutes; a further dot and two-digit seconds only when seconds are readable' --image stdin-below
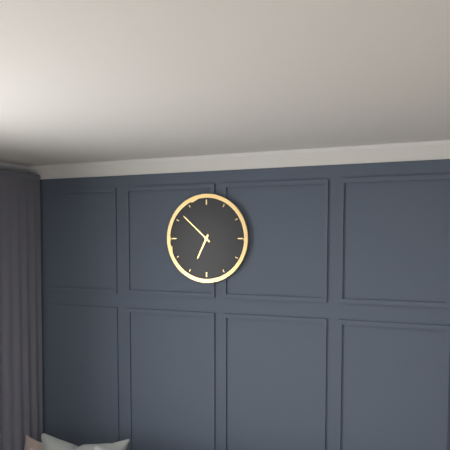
6.52
